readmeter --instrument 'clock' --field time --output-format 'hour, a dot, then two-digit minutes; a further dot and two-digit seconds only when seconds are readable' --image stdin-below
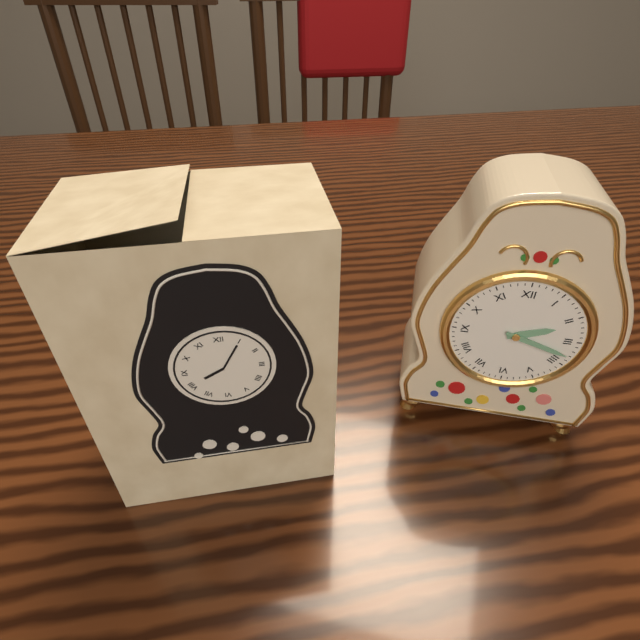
2.18
